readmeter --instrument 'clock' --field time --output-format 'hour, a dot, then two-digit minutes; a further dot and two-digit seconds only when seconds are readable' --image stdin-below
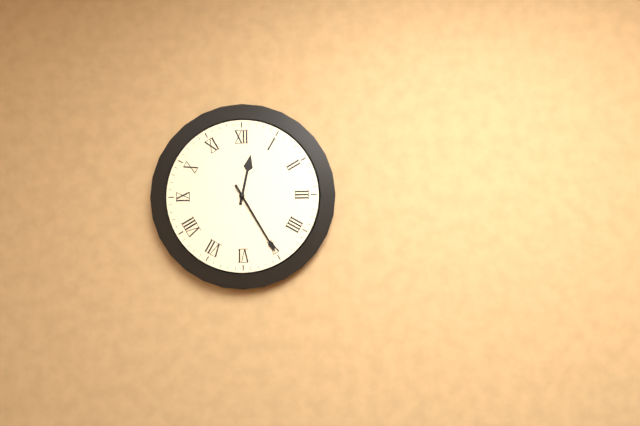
12.25
